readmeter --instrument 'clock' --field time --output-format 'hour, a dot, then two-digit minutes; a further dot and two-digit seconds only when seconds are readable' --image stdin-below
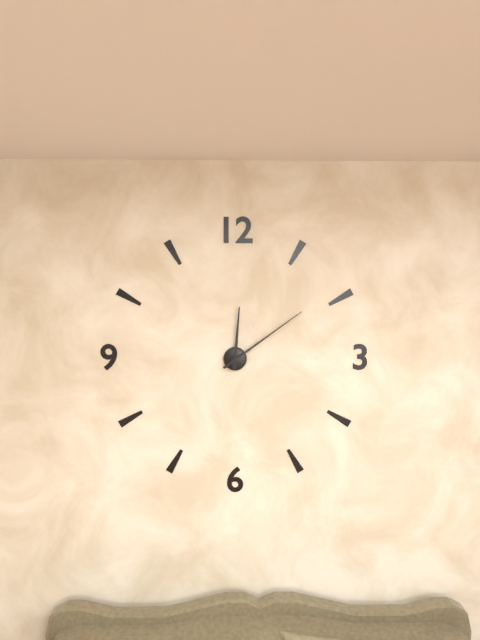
12.09
